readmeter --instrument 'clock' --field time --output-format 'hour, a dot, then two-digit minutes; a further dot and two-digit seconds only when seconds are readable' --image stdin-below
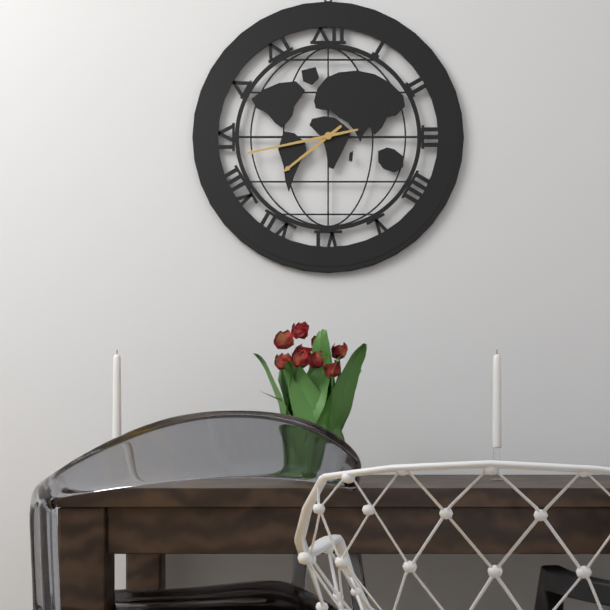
7.43
